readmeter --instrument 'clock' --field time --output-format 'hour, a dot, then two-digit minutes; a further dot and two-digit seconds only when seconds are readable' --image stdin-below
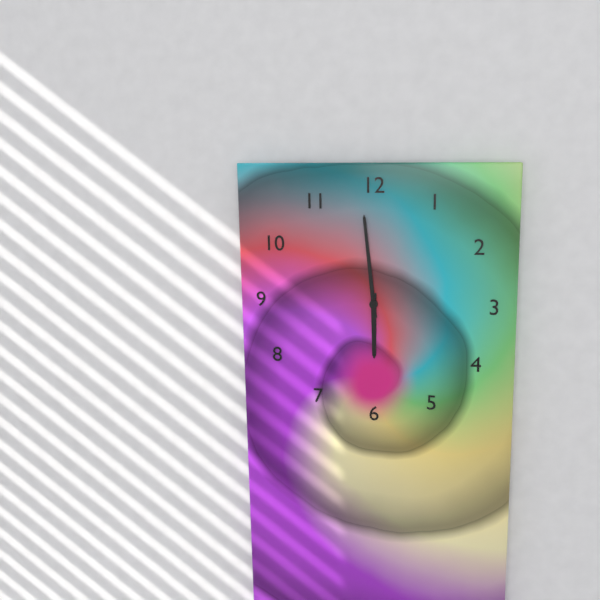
5.59
